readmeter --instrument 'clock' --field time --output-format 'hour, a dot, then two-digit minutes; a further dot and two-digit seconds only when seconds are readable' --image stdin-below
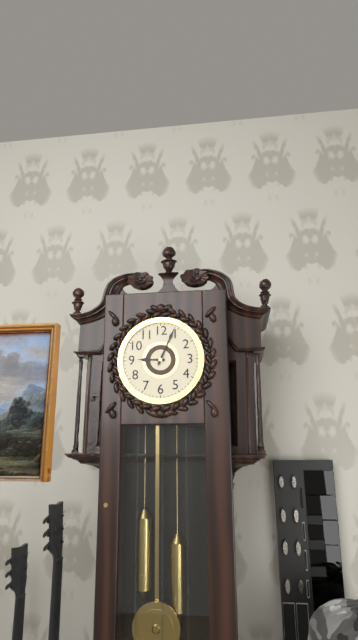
9.04
